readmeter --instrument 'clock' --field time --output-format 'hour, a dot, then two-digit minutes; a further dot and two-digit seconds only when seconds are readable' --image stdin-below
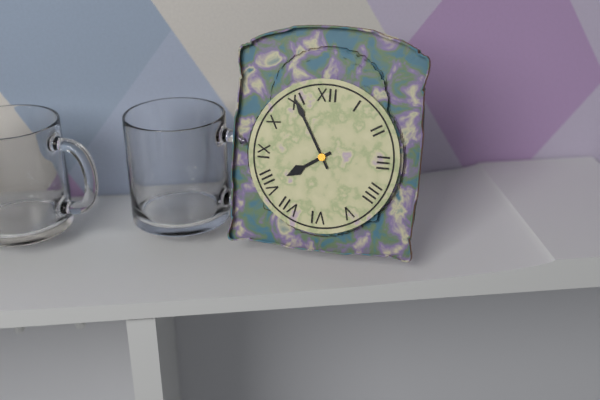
7.55
